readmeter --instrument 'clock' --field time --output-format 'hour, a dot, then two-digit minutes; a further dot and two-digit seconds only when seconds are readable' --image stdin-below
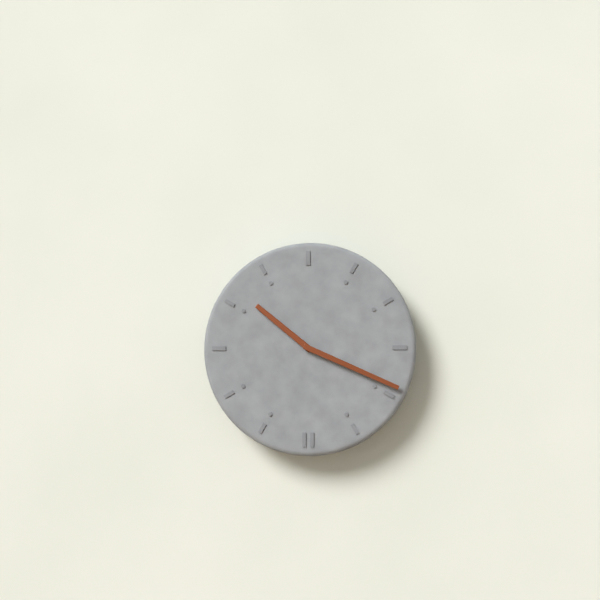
10.19
